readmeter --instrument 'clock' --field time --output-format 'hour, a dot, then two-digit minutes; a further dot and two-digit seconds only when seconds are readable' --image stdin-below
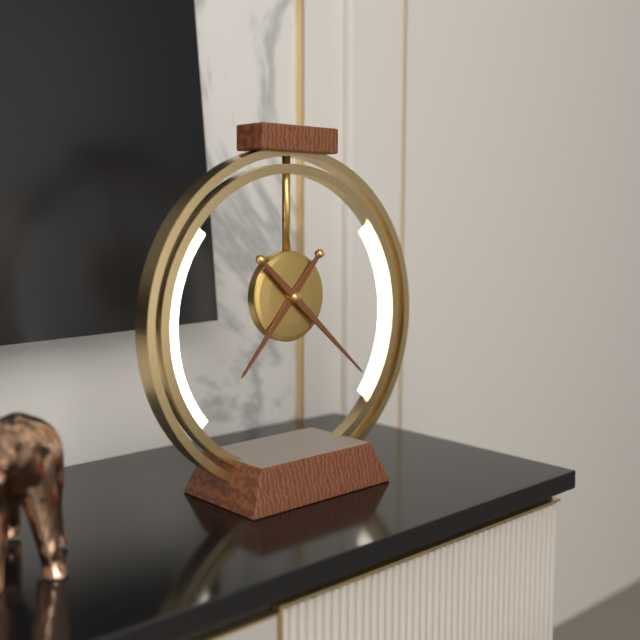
7.22
